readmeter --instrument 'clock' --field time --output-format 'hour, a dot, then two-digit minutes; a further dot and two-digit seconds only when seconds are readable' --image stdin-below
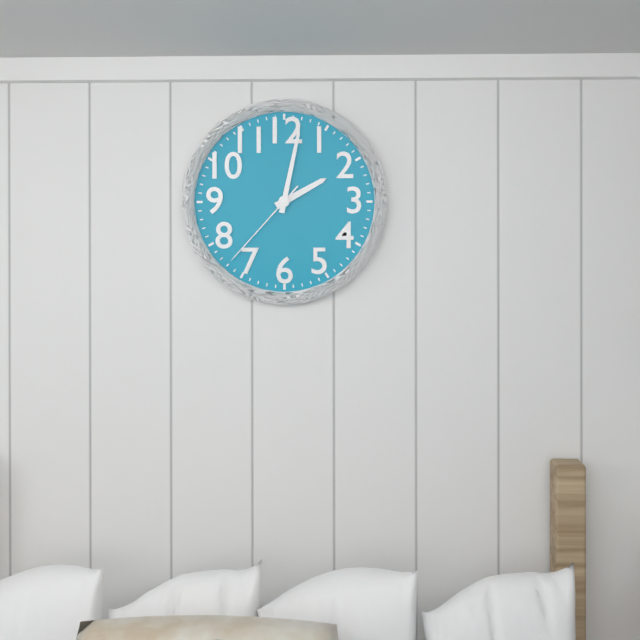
2.02.37
